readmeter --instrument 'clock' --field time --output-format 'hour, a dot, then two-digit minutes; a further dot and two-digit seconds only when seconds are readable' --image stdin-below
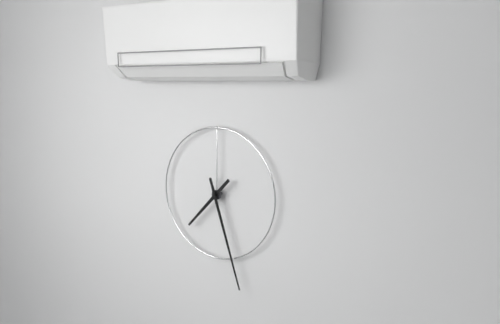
7.27
